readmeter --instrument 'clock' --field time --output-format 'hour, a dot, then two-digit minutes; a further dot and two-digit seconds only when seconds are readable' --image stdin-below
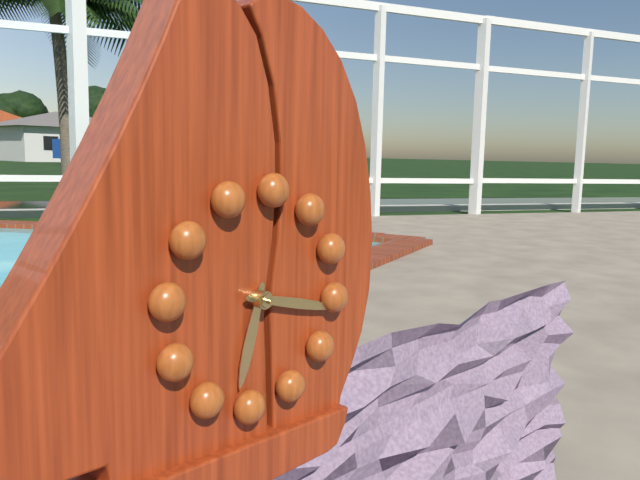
6.16
